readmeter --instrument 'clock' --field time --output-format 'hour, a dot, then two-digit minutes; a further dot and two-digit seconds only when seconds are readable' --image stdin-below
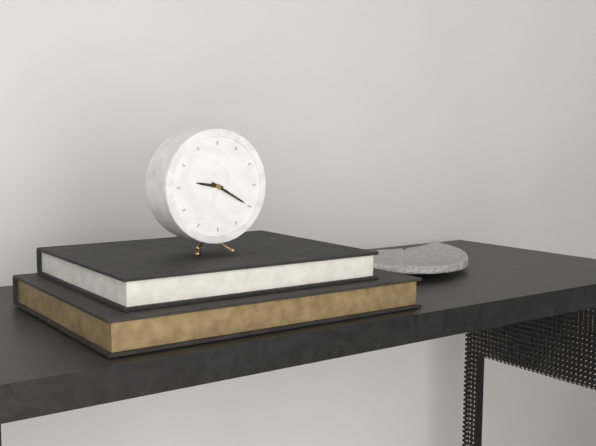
9.20
